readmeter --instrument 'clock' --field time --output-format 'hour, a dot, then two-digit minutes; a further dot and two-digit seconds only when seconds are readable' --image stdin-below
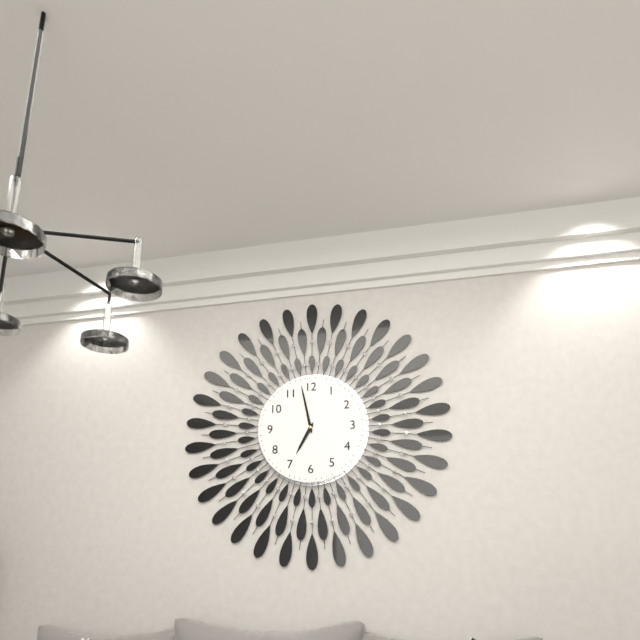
6.58
